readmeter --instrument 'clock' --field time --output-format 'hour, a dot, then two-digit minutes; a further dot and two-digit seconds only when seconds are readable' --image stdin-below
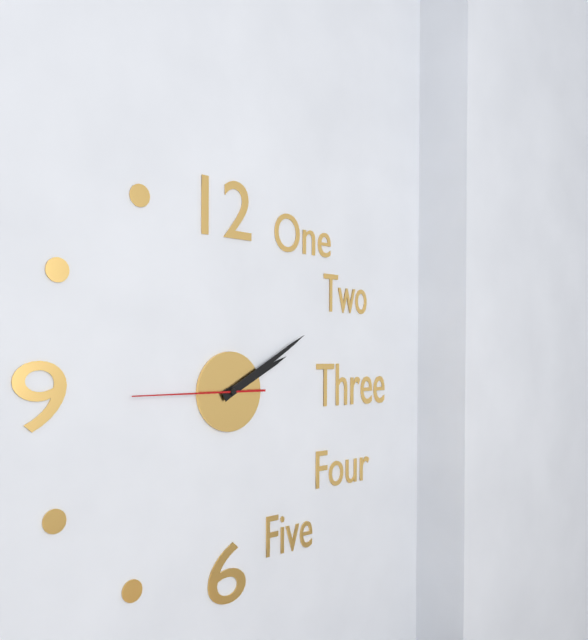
2.10.45
